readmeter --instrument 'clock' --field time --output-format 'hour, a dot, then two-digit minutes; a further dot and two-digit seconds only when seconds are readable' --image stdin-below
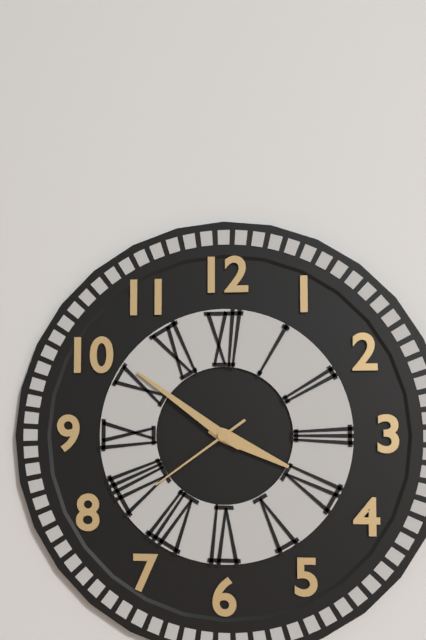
3.51.39
